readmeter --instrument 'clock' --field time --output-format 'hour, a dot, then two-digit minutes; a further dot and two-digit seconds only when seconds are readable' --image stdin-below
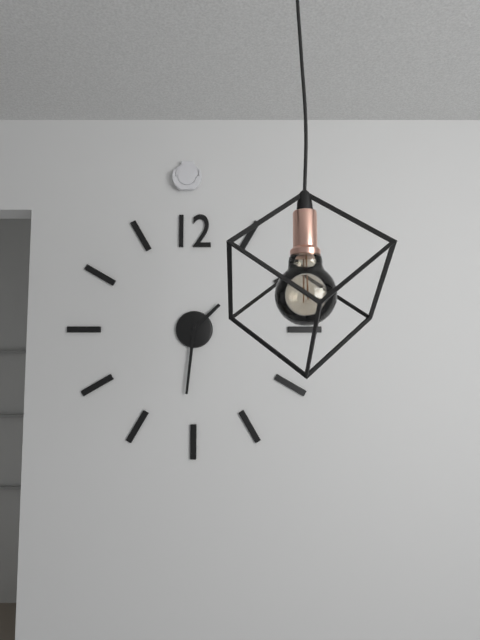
1.31
